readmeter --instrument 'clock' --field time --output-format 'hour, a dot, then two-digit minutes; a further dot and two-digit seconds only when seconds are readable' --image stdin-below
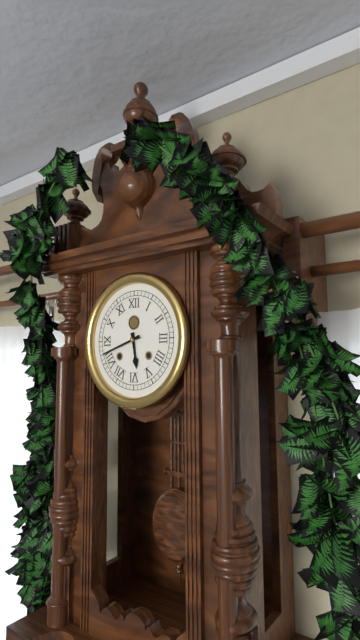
5.42
